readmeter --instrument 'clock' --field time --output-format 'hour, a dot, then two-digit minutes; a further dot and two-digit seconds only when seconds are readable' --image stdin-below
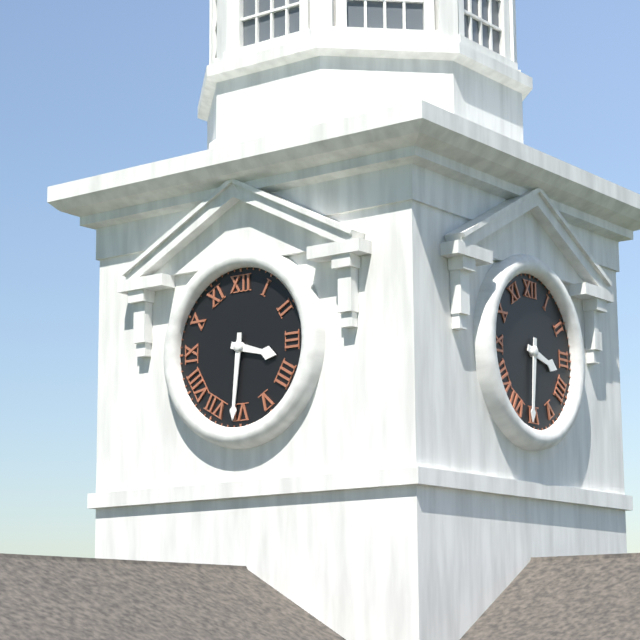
3.31
